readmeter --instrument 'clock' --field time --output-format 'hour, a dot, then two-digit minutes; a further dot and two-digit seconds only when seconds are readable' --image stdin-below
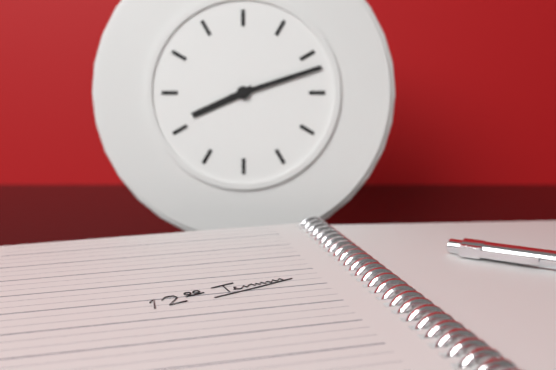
8.12
